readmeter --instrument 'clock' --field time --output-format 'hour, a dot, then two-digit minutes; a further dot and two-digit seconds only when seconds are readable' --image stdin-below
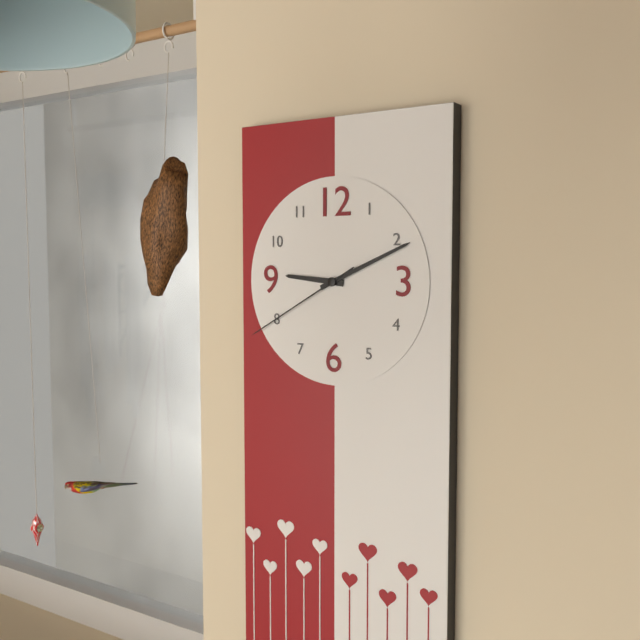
9.11.40
